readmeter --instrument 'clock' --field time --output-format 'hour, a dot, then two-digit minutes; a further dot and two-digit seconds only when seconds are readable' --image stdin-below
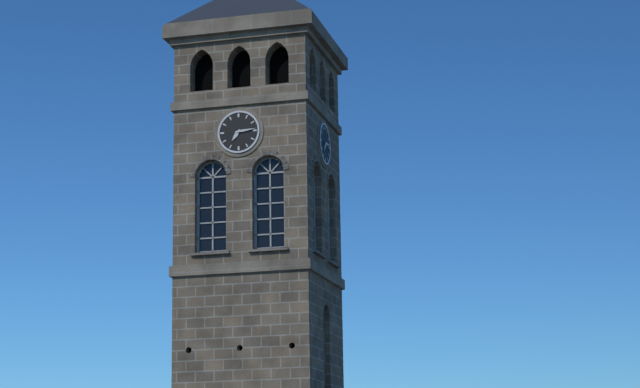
7.14
